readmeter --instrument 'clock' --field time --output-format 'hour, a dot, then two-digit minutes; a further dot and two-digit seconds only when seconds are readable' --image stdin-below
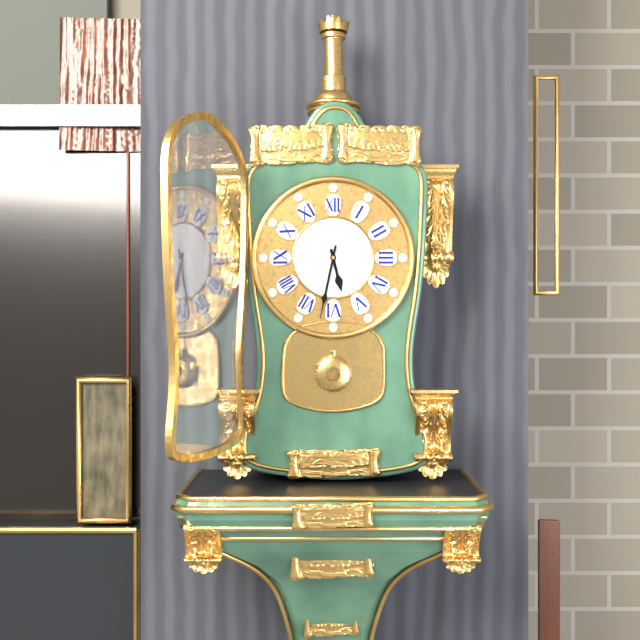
5.32
